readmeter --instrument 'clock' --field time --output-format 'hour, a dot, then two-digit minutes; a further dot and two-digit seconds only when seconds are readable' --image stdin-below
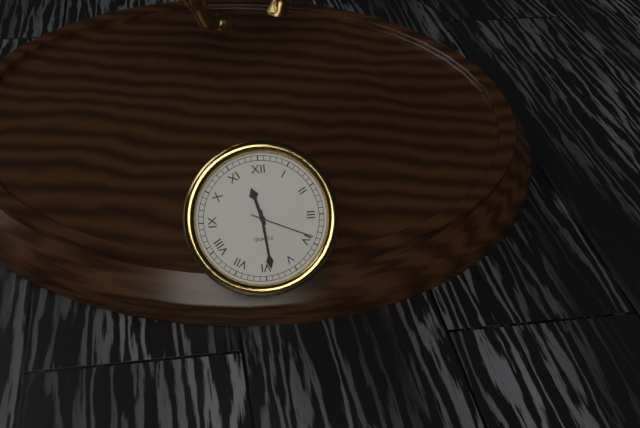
11.29.19
